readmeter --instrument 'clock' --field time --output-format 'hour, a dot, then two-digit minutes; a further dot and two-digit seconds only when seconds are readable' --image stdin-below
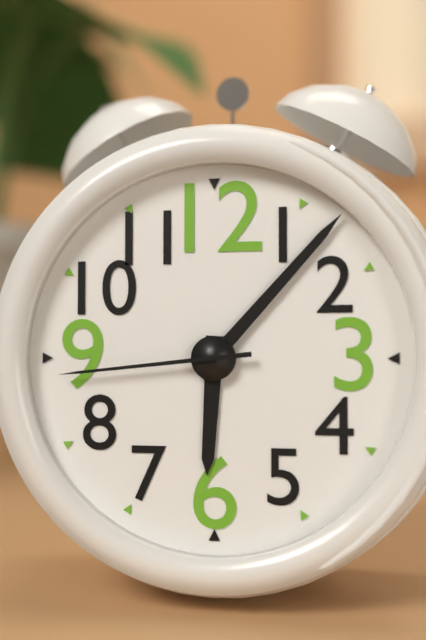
6.07.44
